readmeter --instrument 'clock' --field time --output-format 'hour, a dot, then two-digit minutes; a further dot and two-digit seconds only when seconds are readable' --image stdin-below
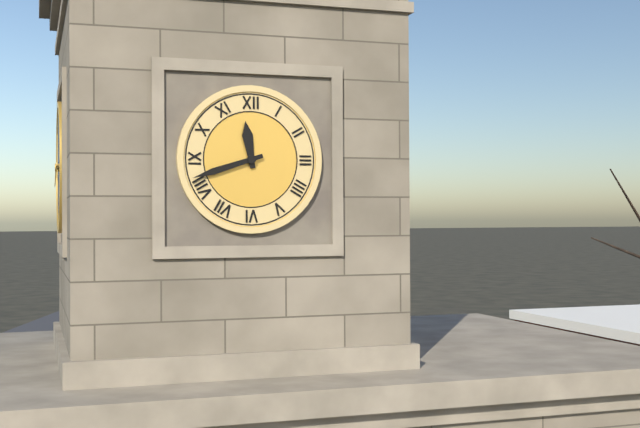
11.42
